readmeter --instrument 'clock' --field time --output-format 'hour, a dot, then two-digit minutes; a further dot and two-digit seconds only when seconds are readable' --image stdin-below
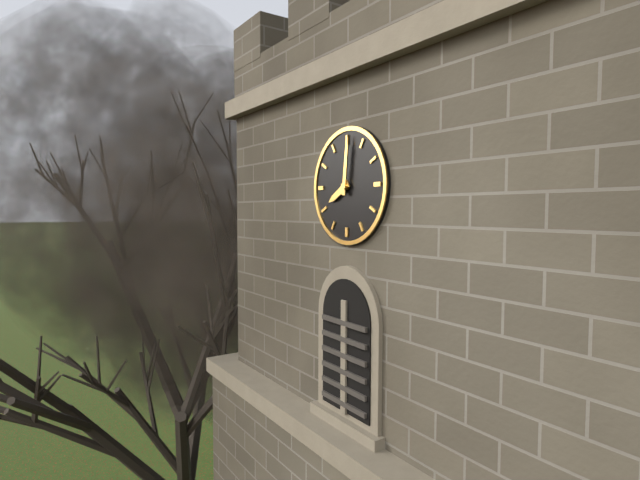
8.01
